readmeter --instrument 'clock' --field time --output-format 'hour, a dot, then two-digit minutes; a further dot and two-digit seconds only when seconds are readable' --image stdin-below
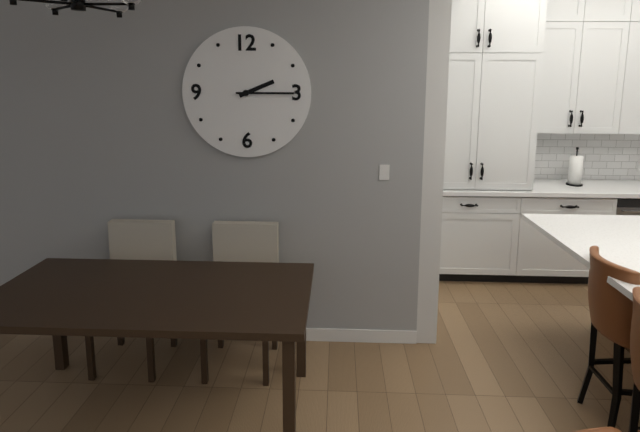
2.15
